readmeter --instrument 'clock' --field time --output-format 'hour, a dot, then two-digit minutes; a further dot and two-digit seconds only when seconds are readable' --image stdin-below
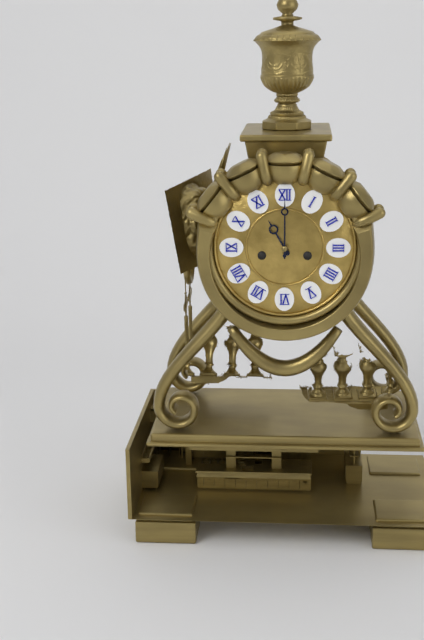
11.00
